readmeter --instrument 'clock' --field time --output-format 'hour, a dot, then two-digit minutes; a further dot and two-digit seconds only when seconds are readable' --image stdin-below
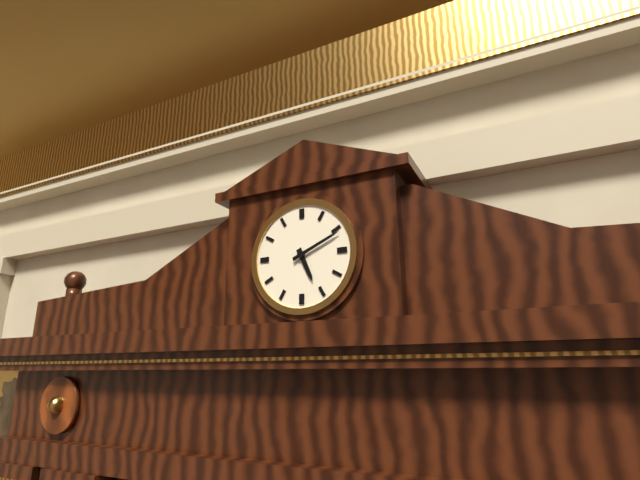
5.11
